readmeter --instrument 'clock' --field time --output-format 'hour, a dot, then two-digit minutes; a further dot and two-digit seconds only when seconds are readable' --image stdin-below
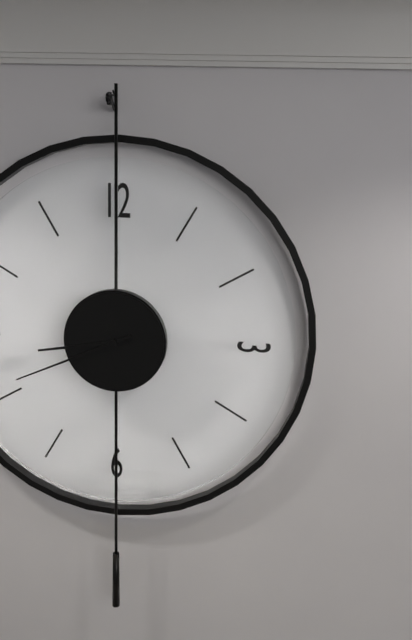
8.41
